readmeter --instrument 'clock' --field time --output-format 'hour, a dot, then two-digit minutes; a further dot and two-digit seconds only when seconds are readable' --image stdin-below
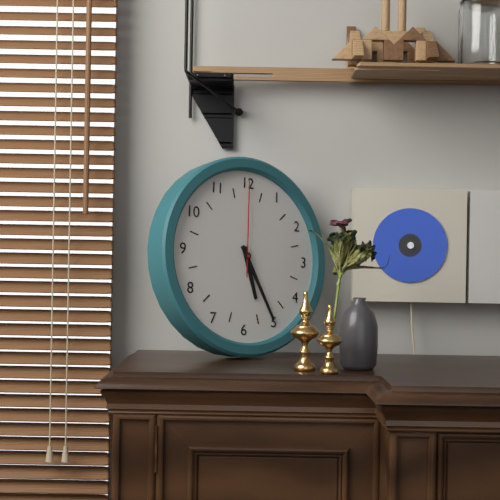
5.25.00
